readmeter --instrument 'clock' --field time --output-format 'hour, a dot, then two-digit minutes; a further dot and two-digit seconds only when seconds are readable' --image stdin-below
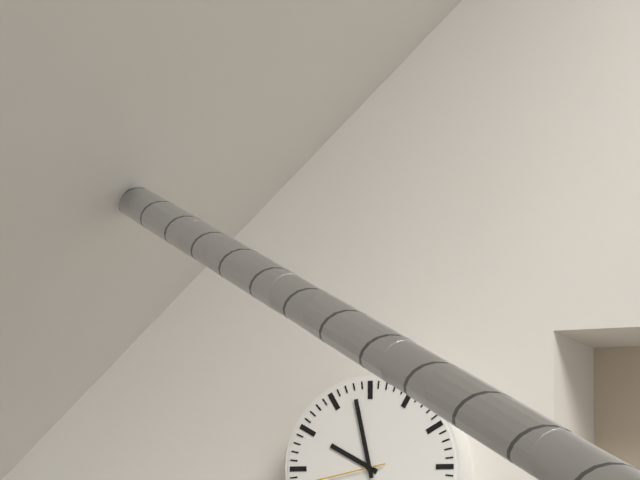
9.58
